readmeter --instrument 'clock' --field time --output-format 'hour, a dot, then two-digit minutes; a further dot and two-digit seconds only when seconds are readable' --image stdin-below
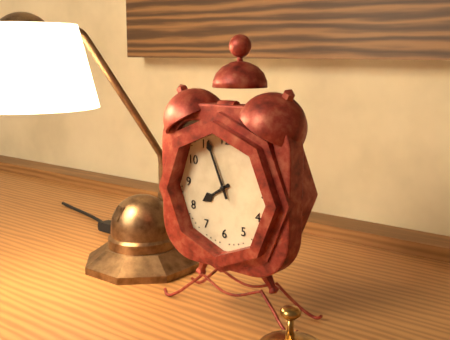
7.56
